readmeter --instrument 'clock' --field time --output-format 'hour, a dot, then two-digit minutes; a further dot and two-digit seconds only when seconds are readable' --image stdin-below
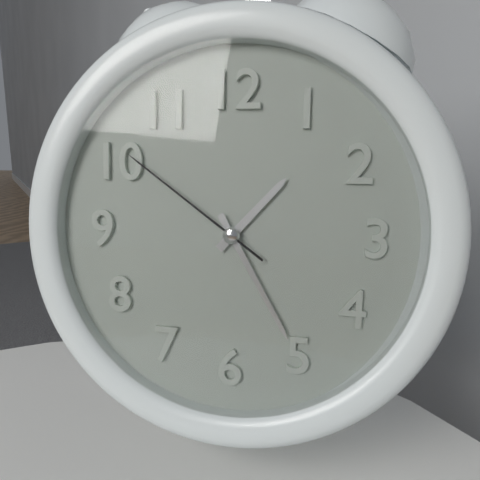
1.25.51
